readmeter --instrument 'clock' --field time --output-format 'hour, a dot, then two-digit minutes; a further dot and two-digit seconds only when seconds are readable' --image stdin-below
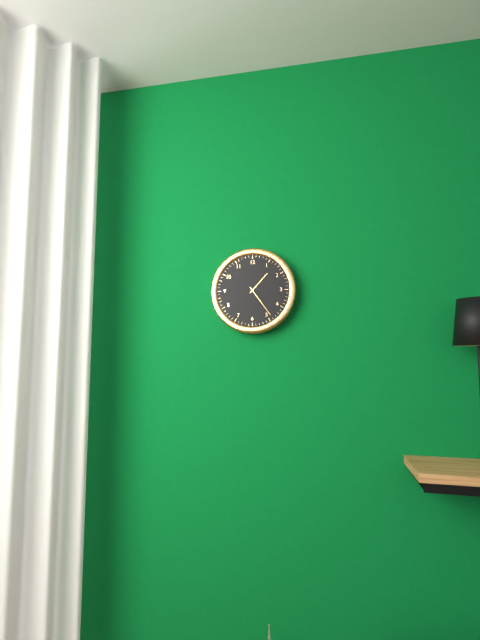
1.24
